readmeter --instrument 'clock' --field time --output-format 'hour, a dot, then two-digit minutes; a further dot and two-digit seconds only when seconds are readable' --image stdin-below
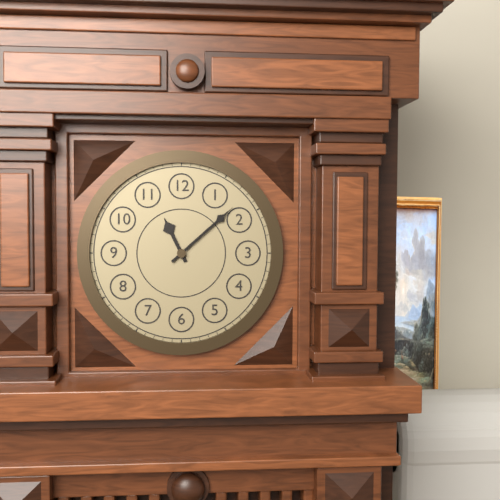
11.08
